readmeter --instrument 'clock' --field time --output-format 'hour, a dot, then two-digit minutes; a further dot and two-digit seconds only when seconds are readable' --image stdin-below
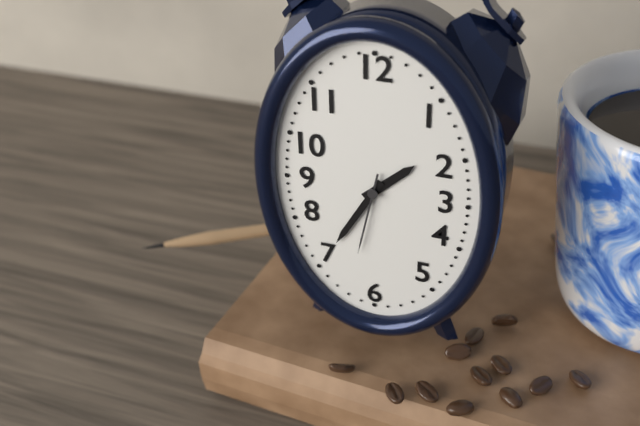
1.35.32
